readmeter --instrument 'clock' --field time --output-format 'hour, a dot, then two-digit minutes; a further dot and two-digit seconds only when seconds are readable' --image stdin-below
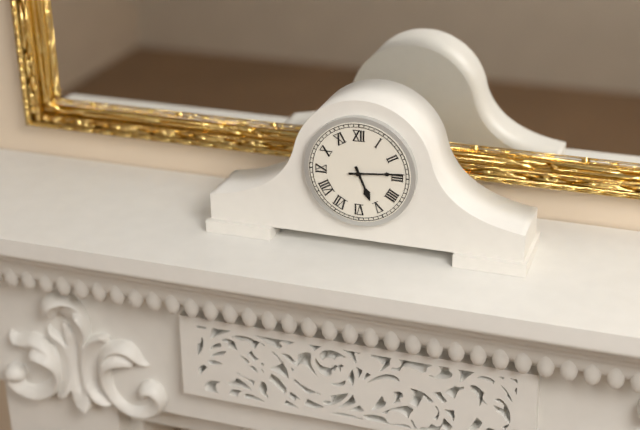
5.14
